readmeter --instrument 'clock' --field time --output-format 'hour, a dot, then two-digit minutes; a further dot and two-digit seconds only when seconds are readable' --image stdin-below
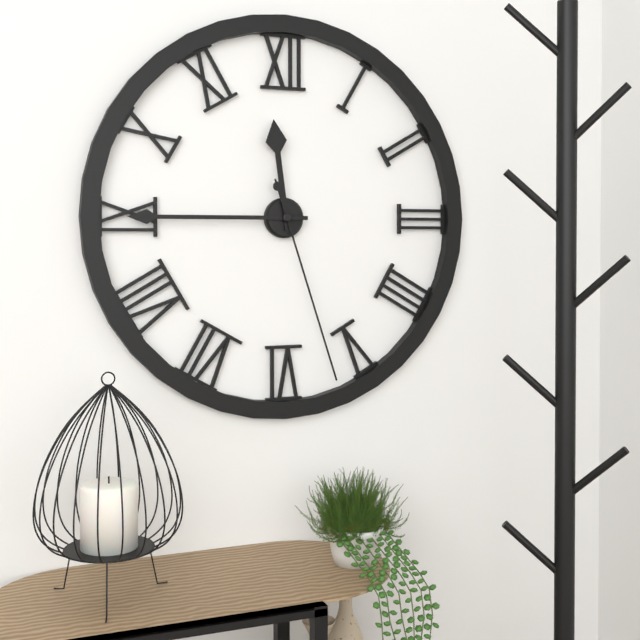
11.45.27
